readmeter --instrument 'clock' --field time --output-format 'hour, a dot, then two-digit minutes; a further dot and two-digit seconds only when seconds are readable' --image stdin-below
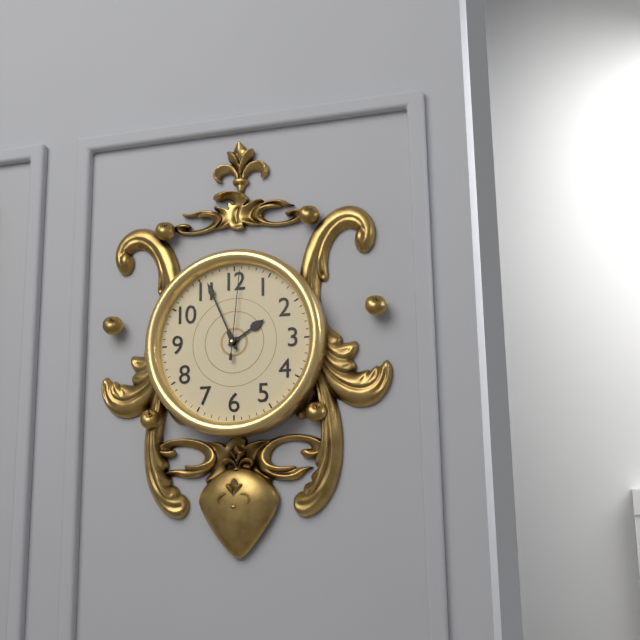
1.56.01
